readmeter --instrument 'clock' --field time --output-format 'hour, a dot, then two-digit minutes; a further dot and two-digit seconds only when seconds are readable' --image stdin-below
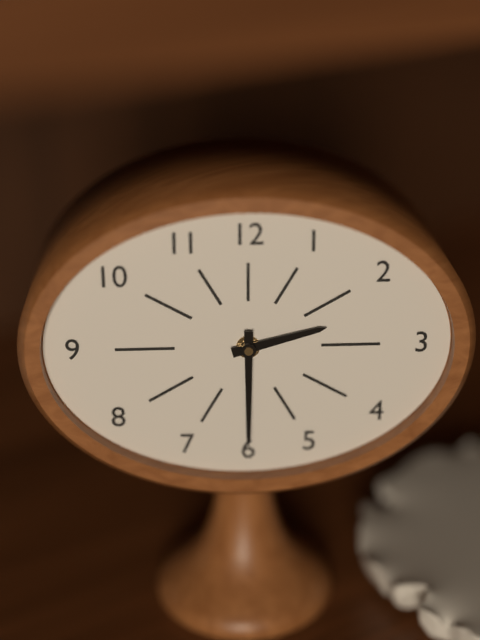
2.30
